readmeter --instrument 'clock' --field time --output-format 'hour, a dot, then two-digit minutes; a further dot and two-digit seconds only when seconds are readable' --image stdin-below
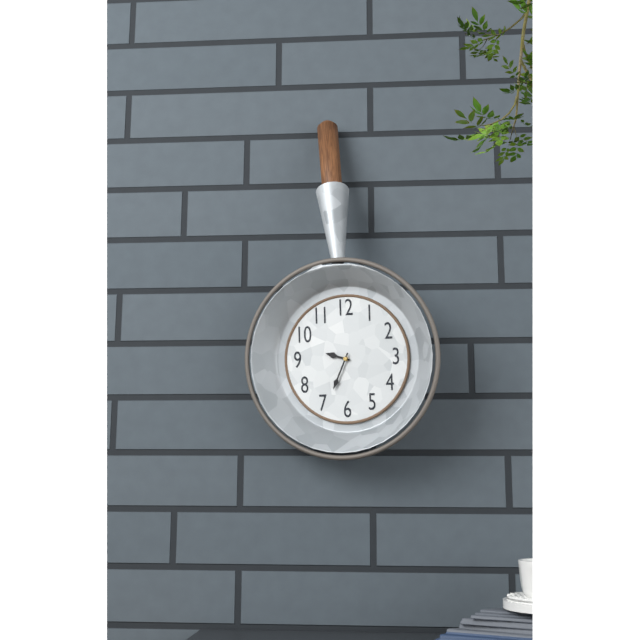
9.34
